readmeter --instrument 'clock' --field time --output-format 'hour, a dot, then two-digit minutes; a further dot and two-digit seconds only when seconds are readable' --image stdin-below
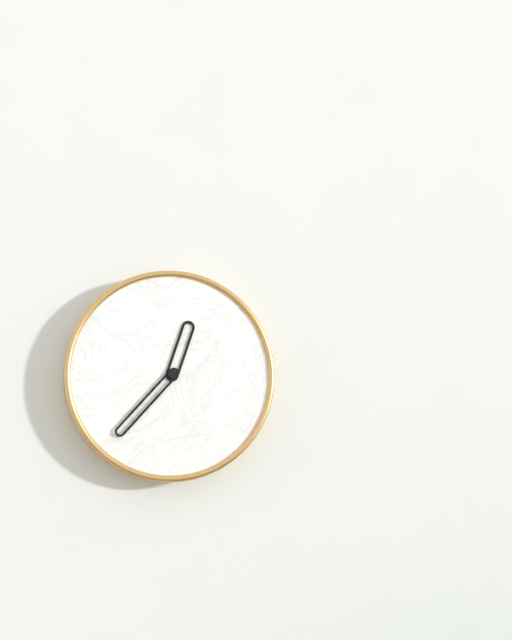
12.37
